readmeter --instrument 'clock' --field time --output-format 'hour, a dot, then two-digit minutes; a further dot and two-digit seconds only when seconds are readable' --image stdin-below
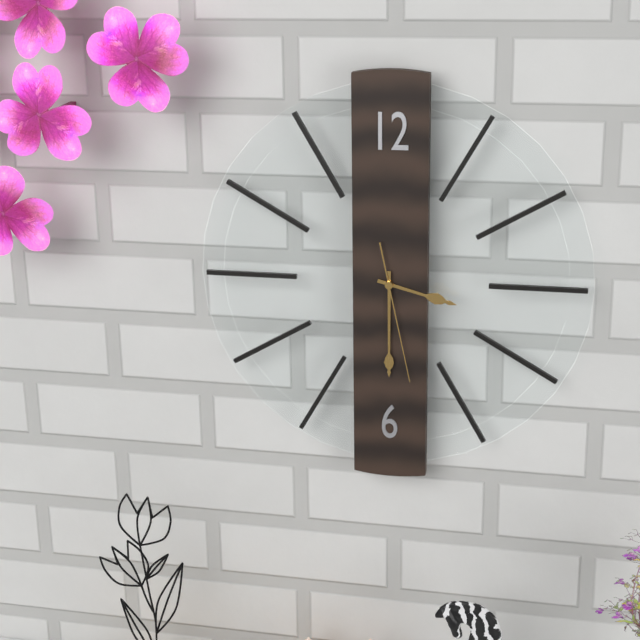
3.30.28
